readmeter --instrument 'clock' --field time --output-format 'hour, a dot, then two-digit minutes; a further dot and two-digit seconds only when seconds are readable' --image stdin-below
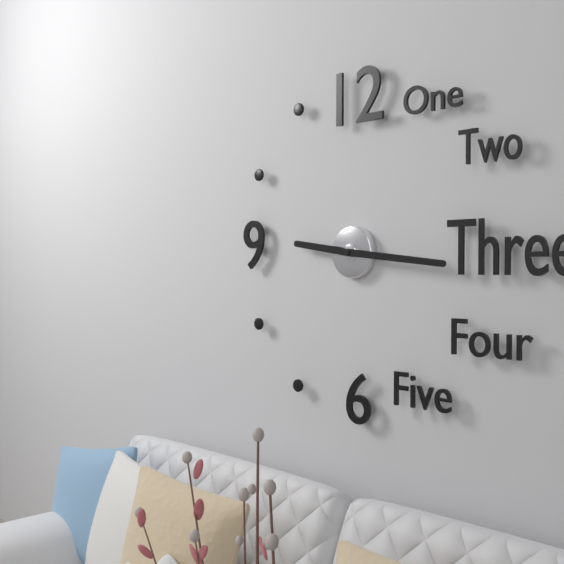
9.16
